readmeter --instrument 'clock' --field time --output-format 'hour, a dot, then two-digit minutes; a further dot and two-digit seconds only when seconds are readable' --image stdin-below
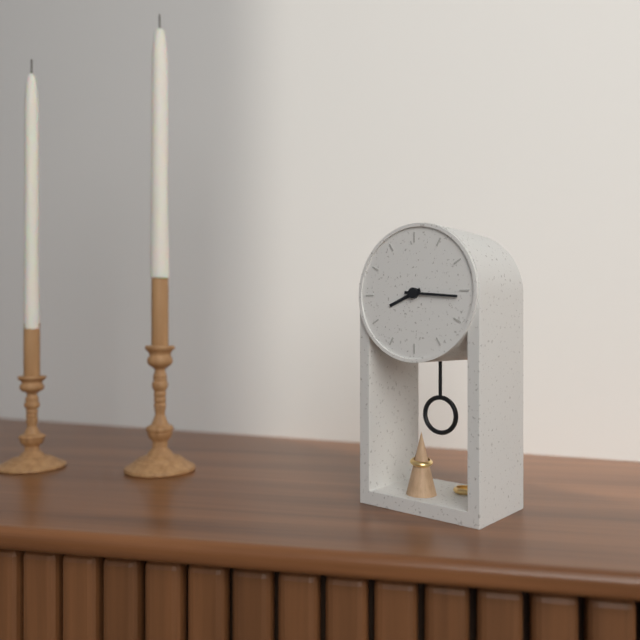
8.16
